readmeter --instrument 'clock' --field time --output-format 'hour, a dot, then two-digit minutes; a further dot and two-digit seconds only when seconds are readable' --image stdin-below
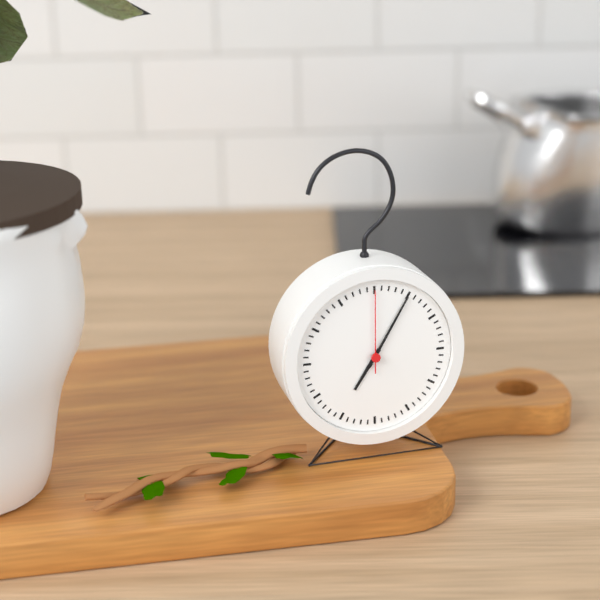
7.05.00
